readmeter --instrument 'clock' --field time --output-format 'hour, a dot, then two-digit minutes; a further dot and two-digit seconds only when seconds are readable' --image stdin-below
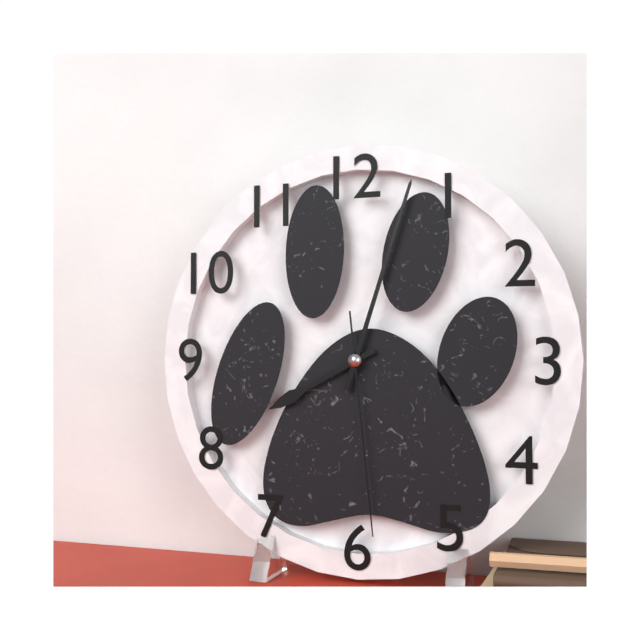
8.03.29
